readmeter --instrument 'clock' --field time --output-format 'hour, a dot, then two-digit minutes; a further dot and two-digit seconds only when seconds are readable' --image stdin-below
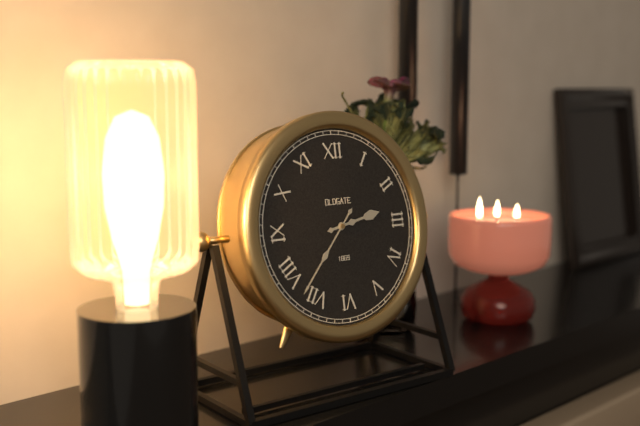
2.37
